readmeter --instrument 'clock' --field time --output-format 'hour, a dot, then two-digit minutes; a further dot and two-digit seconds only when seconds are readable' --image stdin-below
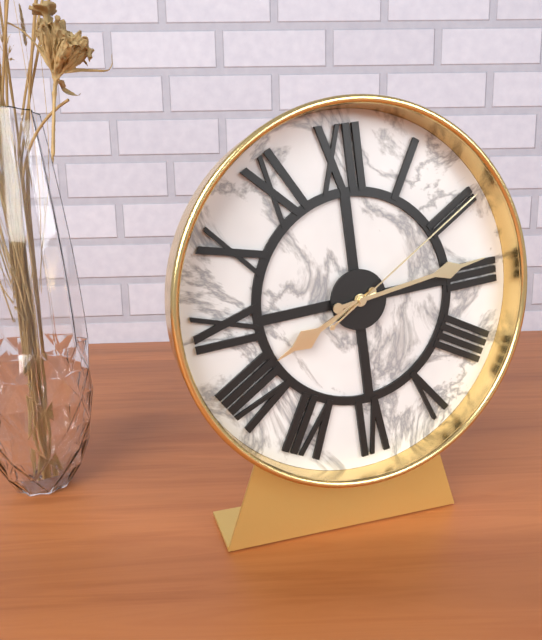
8.14.10
